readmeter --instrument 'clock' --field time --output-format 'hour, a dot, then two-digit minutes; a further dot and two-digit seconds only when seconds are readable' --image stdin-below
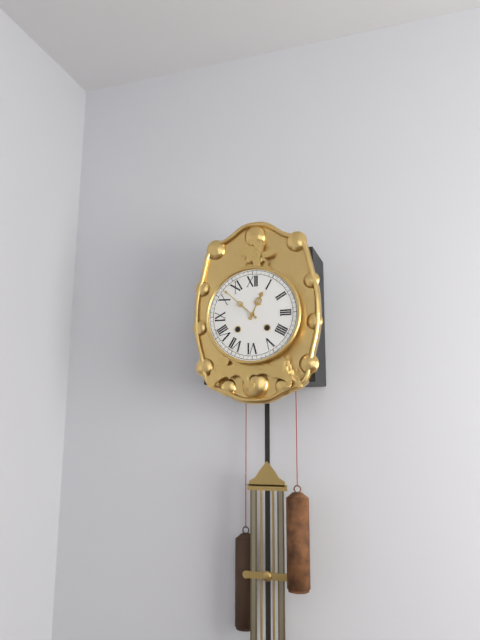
12.52
